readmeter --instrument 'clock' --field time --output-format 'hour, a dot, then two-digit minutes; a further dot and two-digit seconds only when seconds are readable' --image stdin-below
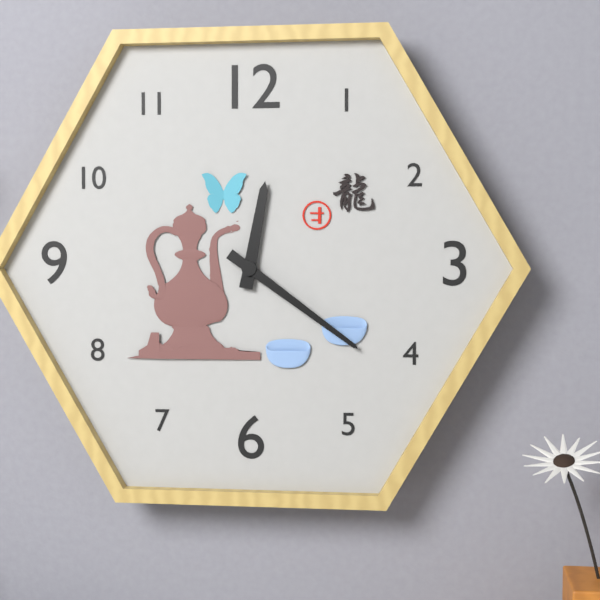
12.21
